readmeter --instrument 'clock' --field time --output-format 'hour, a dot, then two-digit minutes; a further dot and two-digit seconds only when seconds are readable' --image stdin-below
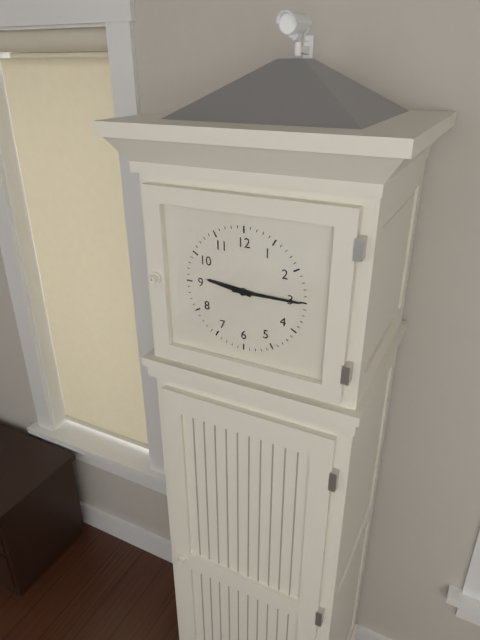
9.15
